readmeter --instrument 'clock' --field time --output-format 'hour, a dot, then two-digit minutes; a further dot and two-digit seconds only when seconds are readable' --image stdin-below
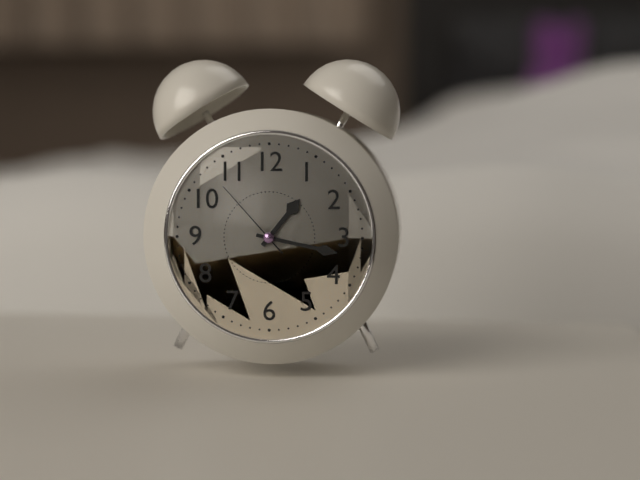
1.17.53
